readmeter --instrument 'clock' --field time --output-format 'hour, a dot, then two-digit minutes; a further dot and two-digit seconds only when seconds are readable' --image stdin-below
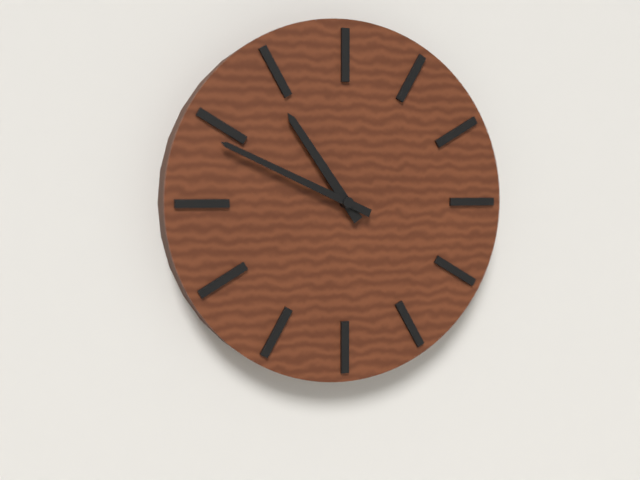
10.49
